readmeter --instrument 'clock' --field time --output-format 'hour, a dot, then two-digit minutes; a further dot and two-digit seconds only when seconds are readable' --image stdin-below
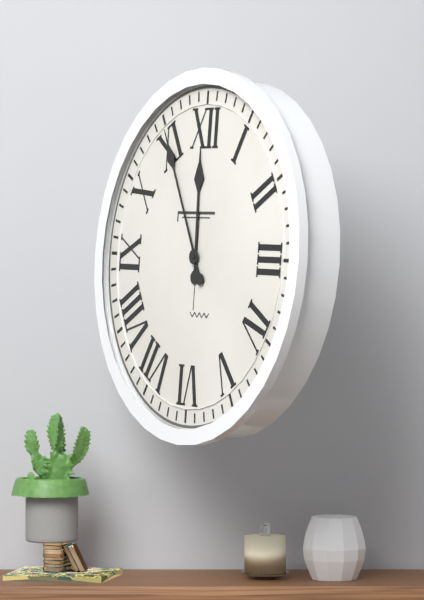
11.55
